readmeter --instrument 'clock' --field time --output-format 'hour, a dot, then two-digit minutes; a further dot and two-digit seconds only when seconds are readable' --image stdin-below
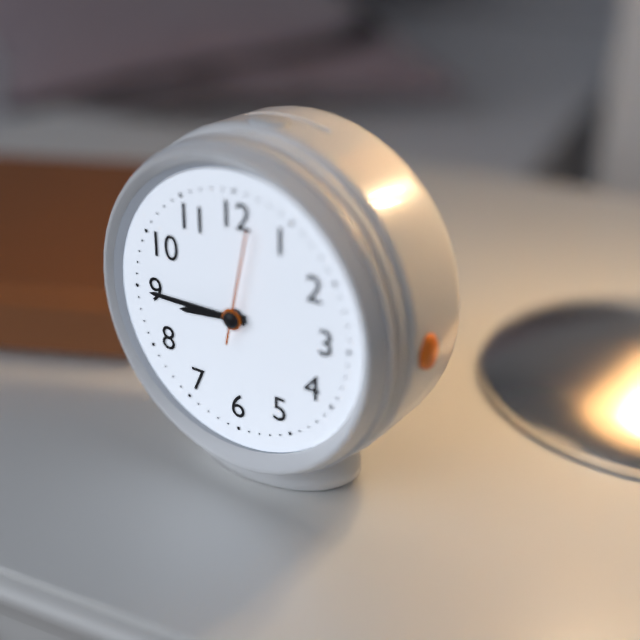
8.45.02
